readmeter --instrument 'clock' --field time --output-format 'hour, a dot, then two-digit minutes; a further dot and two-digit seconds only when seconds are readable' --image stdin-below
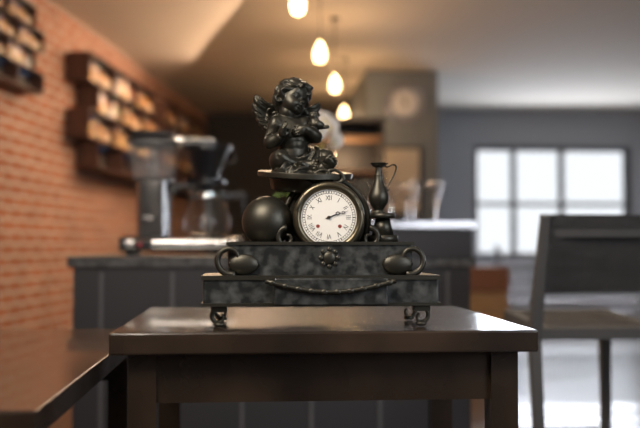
2.12
